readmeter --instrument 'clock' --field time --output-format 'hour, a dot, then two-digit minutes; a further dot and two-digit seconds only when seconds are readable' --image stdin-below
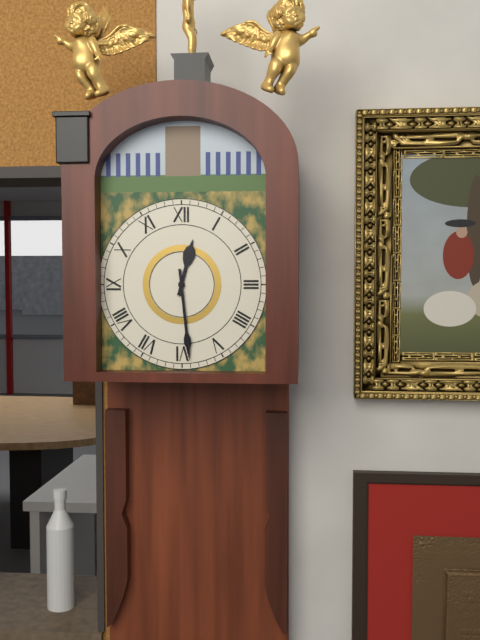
12.29
